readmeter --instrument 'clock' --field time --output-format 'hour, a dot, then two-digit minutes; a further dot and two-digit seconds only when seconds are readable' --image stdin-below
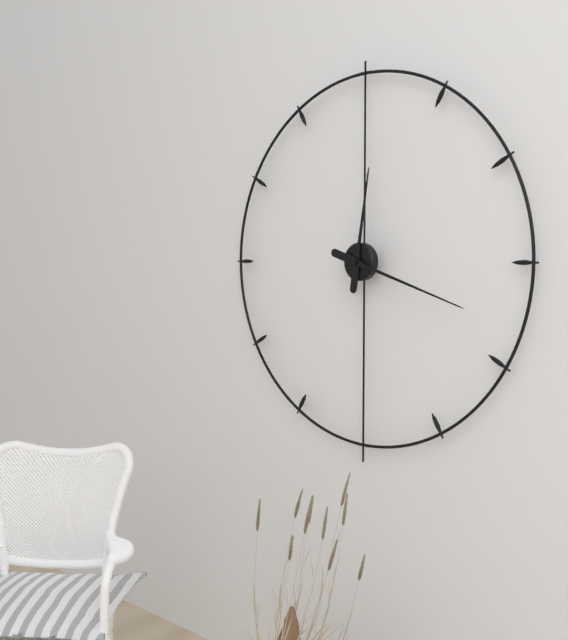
12.18
